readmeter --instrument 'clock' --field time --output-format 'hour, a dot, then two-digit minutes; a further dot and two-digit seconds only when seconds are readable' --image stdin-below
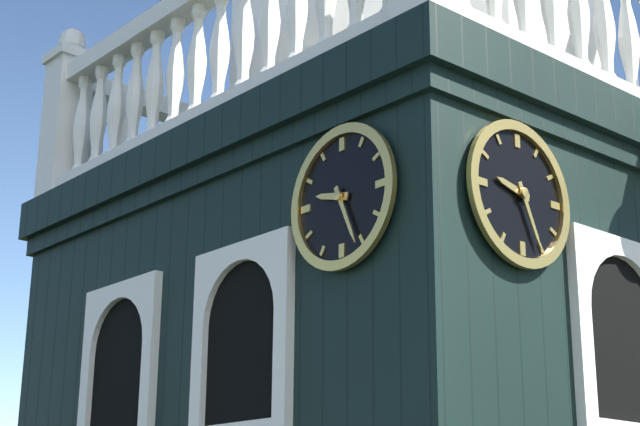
9.26
